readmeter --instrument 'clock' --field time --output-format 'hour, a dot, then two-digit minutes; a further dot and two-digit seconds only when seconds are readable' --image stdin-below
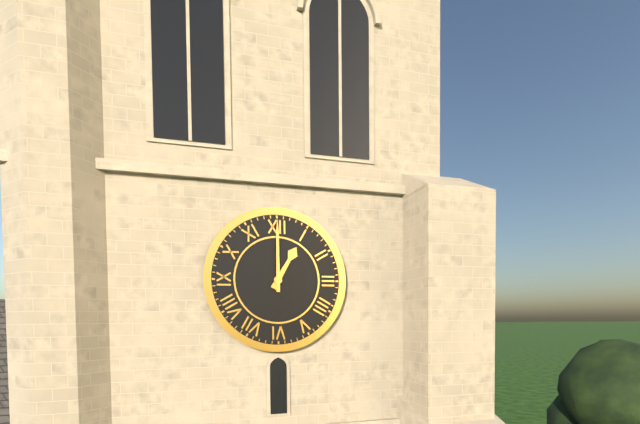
1.00
